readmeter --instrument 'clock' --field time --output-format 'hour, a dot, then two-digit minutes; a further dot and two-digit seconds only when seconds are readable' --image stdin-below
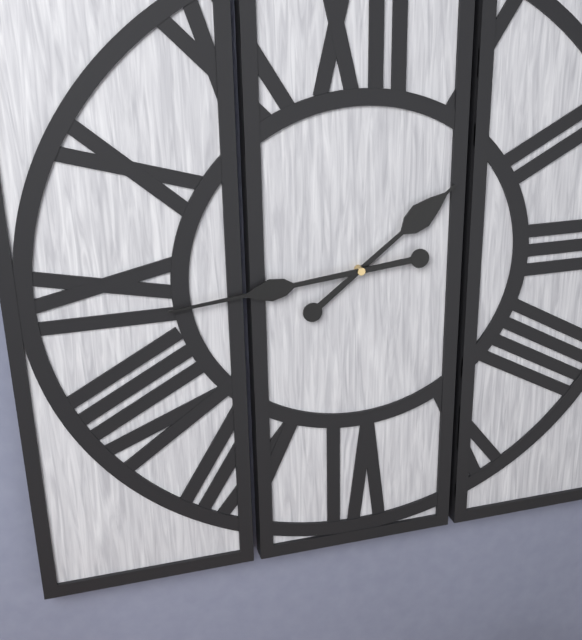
1.44
